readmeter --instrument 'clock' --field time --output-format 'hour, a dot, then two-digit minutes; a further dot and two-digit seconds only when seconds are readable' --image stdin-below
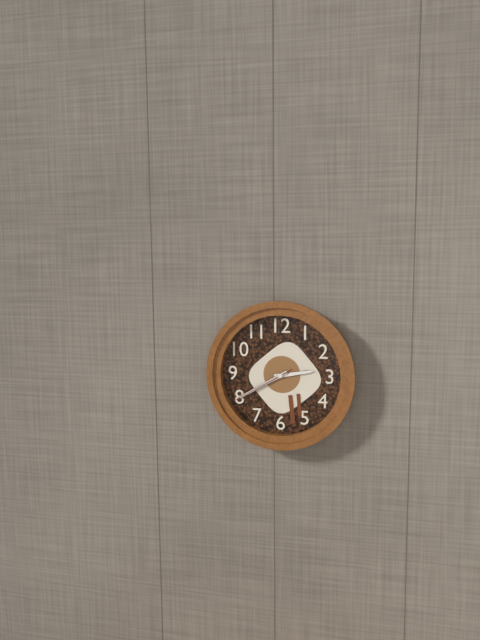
2.40.40
